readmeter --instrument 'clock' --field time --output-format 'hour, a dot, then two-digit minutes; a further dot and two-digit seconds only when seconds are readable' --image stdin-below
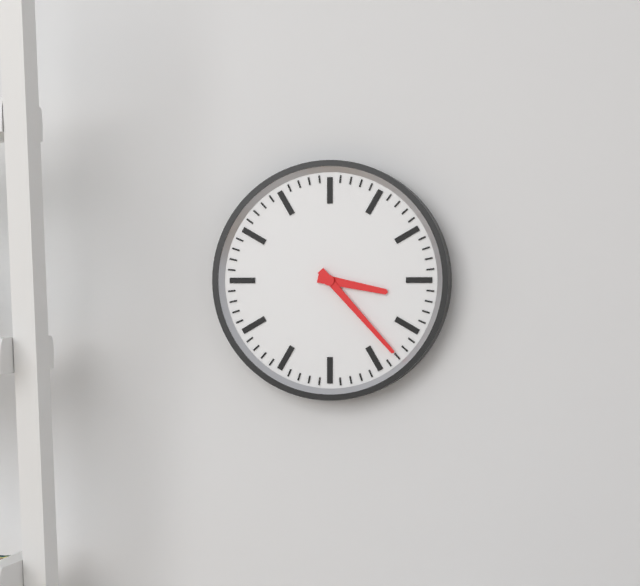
3.23
